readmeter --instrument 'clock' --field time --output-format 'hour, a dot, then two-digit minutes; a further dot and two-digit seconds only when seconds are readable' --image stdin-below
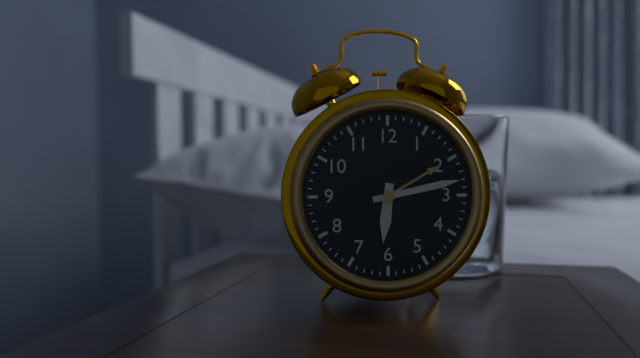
6.13
